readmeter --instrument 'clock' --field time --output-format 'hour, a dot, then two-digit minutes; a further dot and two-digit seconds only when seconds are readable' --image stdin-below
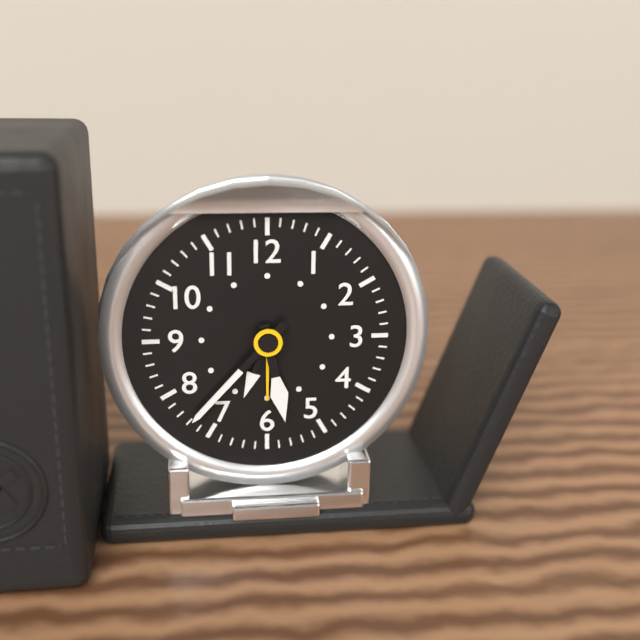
5.37
